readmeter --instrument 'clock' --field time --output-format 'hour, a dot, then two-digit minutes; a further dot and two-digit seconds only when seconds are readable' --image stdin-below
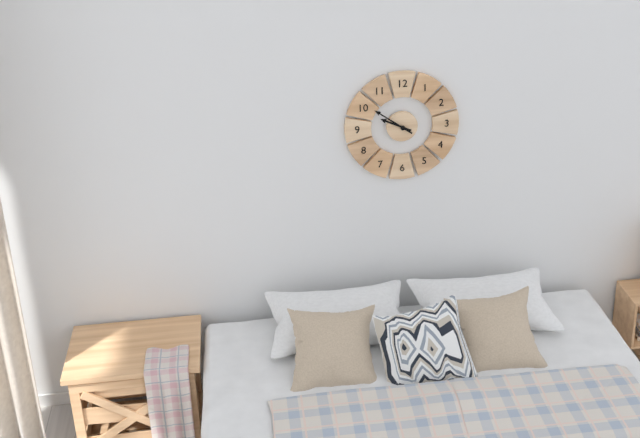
9.51
